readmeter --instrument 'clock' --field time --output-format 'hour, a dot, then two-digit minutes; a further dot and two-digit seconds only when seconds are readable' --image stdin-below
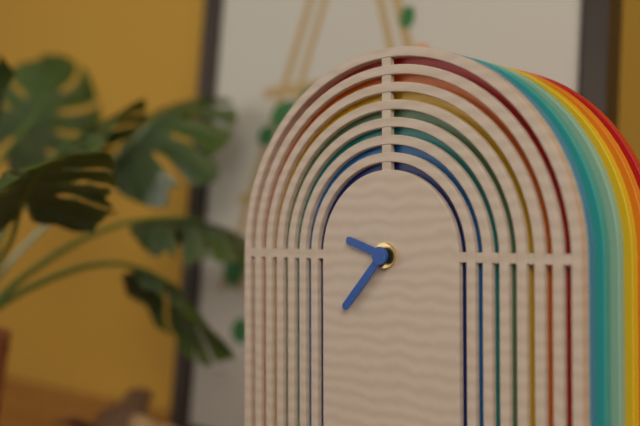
9.37
